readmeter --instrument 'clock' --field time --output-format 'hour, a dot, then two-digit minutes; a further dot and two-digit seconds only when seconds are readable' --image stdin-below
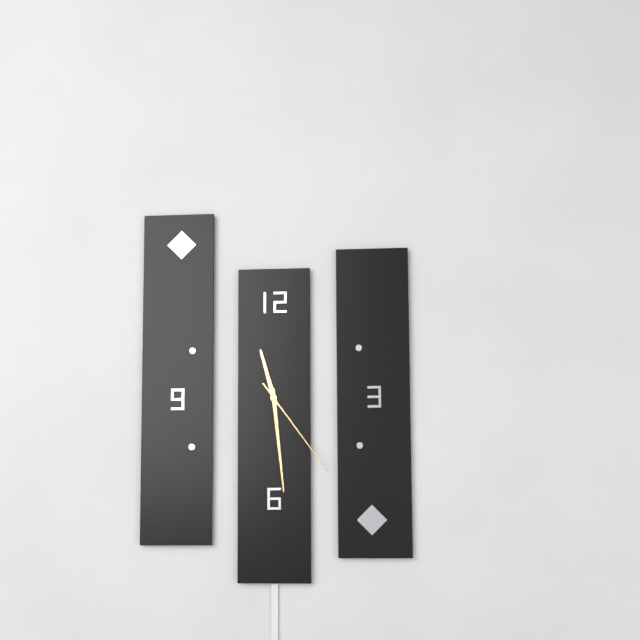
11.29.24
